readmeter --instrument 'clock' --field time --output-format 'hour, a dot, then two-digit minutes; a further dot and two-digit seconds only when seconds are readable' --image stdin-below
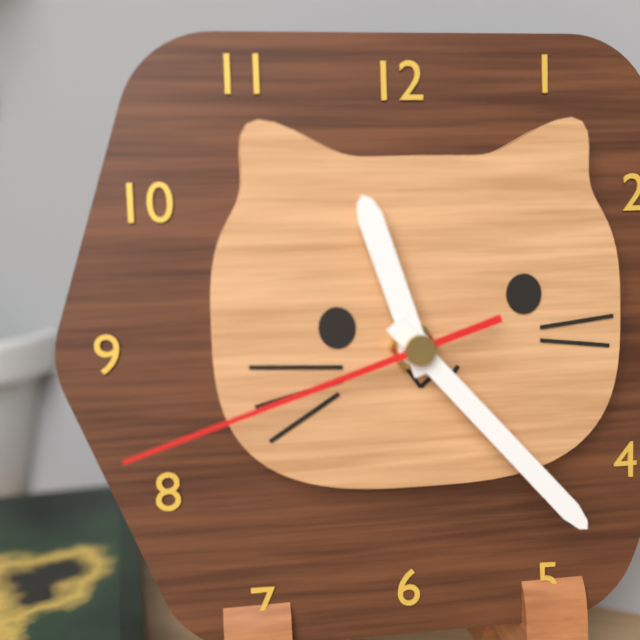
11.23.42
